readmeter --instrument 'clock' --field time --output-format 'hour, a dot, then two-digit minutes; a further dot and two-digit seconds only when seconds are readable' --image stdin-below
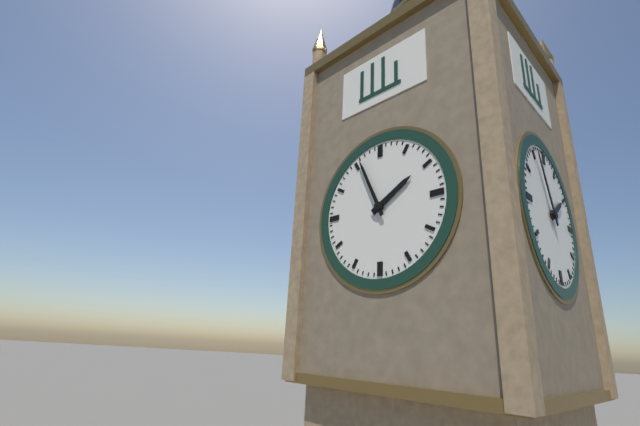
1.56
